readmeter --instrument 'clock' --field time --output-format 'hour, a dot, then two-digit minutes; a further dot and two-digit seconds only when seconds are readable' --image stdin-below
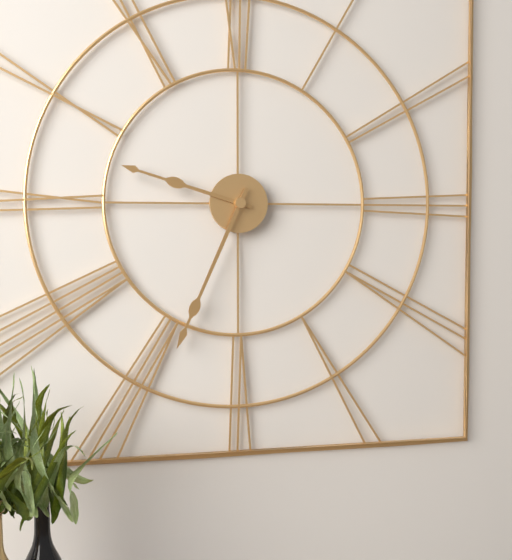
9.34
